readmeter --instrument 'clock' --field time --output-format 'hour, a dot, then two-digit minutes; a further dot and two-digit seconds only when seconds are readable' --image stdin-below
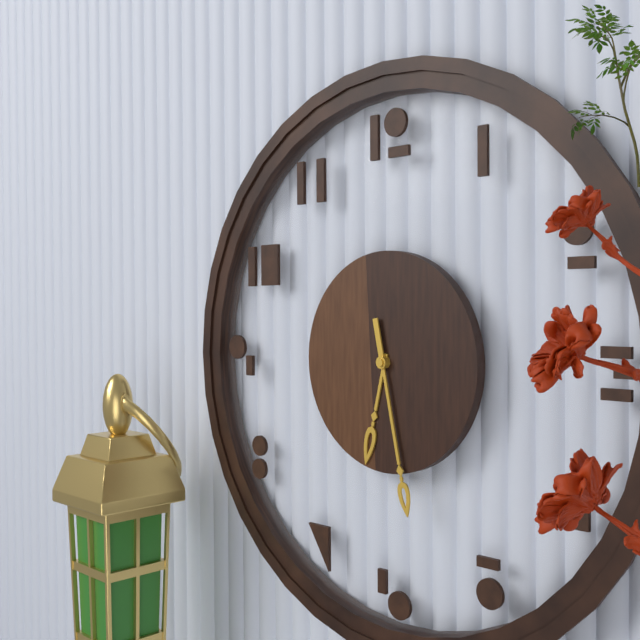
6.28
